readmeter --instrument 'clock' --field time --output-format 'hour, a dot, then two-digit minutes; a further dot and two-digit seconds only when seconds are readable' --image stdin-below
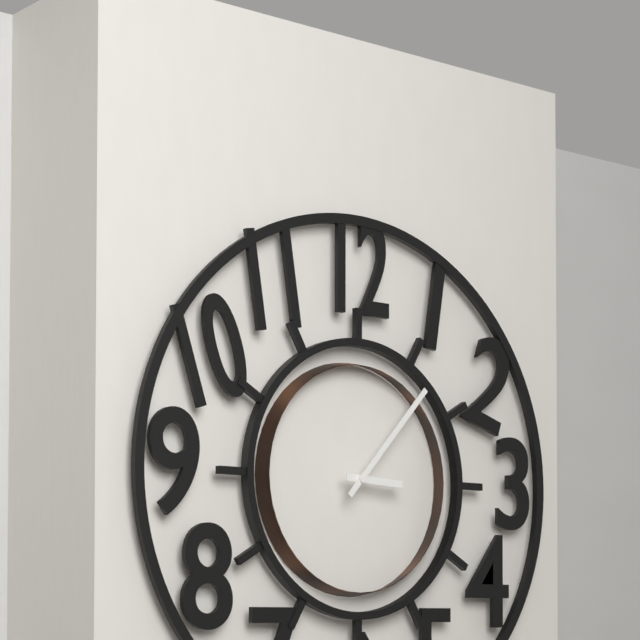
3.07
